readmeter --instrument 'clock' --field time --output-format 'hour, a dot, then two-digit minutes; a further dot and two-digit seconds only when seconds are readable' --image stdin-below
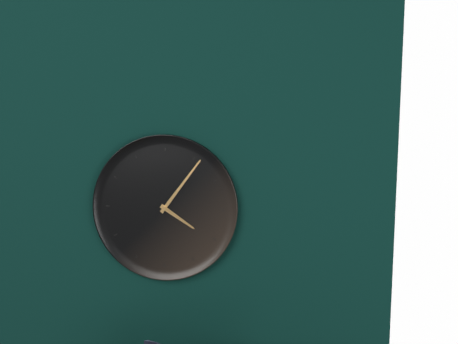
4.06
